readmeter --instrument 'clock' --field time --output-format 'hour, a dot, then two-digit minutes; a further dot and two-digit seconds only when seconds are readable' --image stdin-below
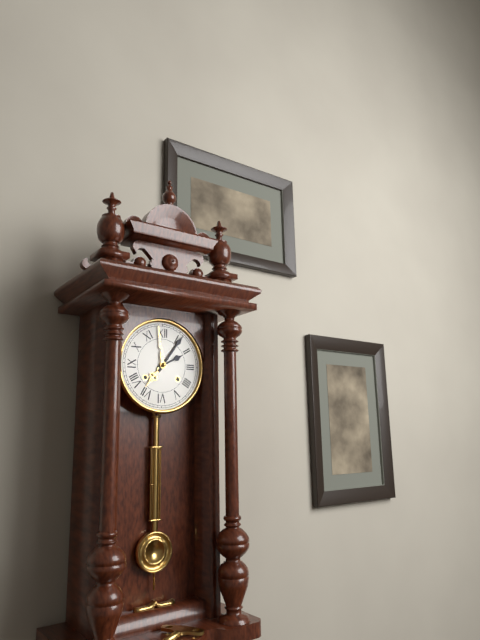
2.06
